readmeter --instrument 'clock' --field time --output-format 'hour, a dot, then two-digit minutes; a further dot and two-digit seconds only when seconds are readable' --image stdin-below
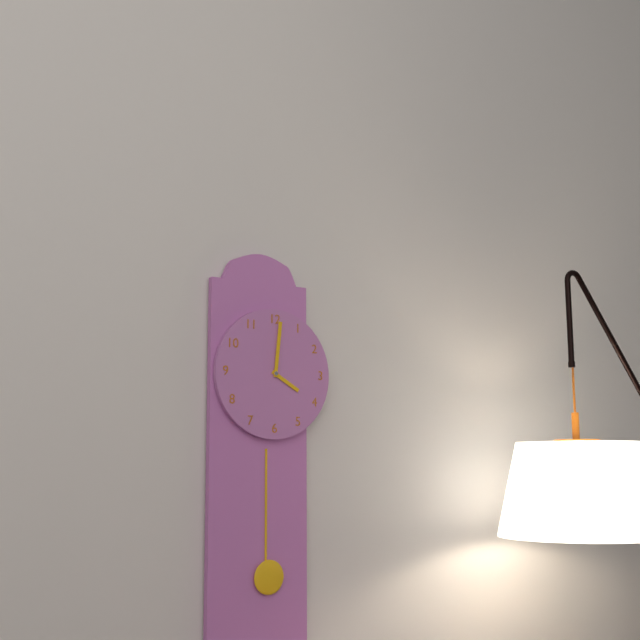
4.01
